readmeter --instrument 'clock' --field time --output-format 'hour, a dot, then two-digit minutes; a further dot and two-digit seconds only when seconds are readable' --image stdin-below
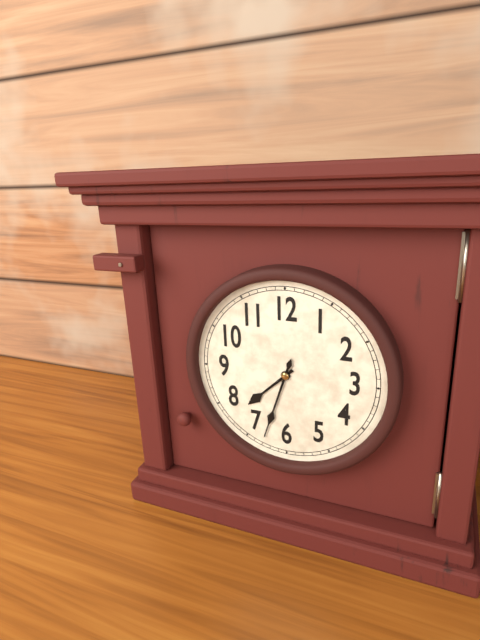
7.33
